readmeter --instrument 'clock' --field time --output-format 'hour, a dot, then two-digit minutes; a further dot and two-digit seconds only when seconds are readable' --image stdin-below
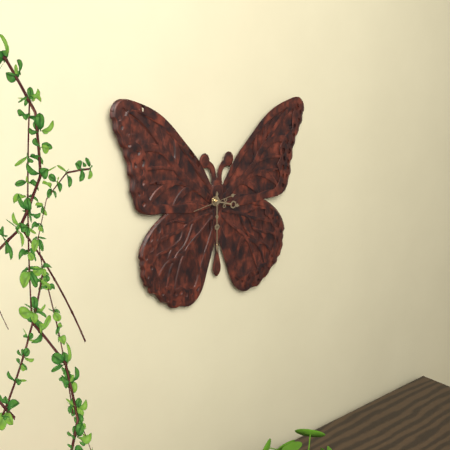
3.30
